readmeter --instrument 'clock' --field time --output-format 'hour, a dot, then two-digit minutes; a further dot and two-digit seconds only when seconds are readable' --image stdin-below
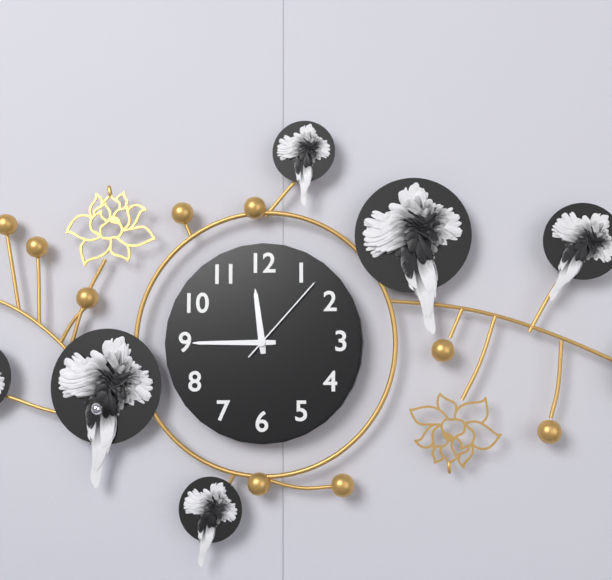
11.45.07
